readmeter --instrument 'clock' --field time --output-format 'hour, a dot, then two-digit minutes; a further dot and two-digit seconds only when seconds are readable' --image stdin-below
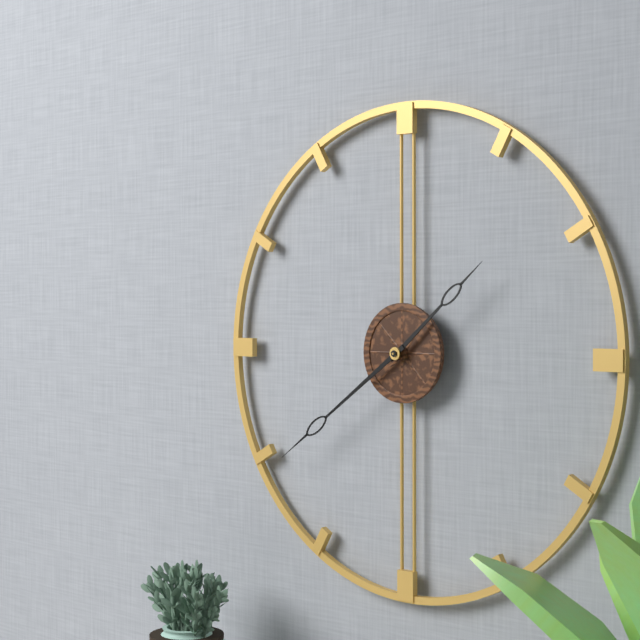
1.39
